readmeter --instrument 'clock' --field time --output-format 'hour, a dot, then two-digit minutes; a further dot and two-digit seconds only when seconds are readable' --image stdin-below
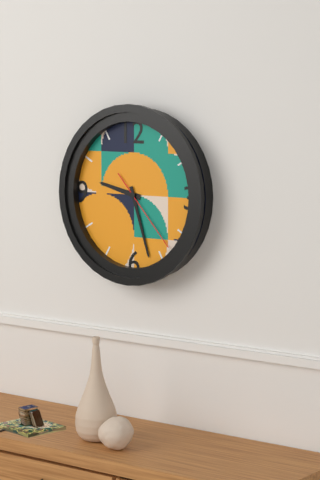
9.27.23
